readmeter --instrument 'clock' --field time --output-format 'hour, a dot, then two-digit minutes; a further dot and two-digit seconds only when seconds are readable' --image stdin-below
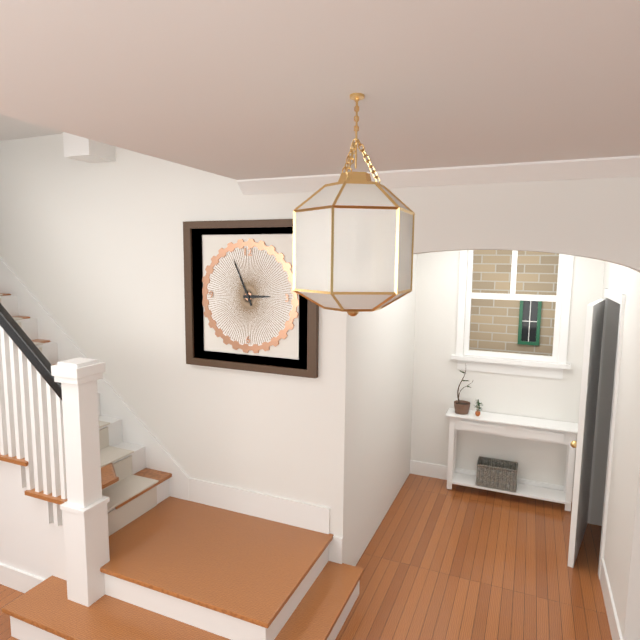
2.56
